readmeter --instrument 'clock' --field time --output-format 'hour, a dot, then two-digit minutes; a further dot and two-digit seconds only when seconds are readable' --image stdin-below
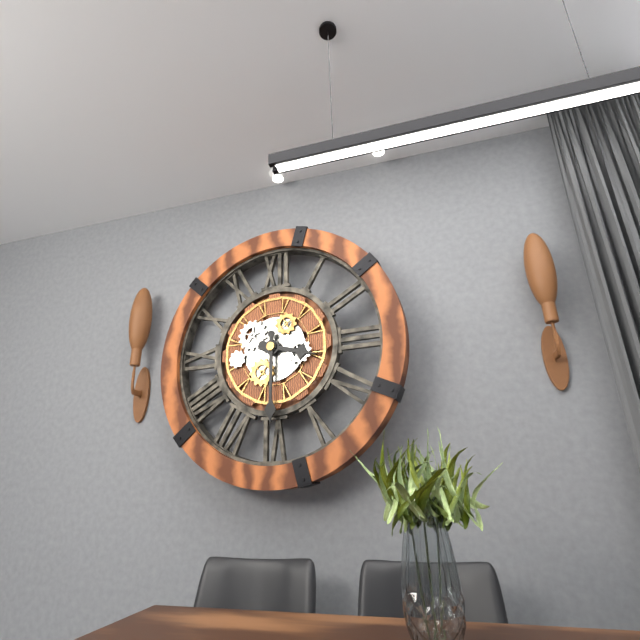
3.30
